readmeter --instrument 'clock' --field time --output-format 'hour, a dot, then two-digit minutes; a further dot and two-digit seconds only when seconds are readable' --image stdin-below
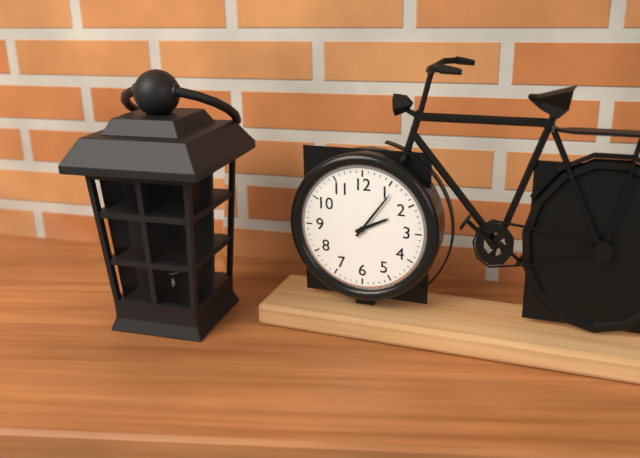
2.06
